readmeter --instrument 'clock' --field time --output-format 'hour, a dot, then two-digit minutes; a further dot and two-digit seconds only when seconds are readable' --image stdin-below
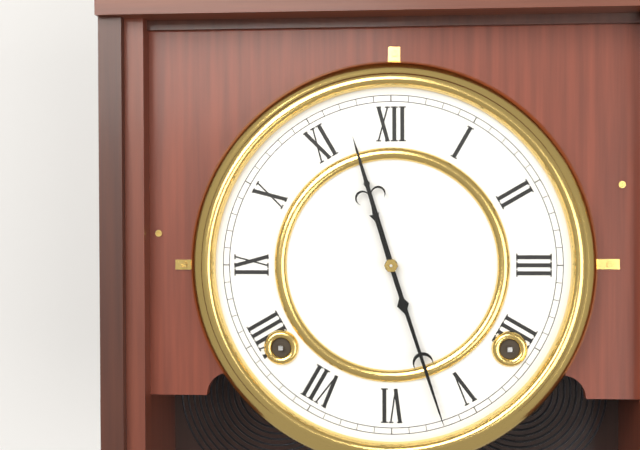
11.27
